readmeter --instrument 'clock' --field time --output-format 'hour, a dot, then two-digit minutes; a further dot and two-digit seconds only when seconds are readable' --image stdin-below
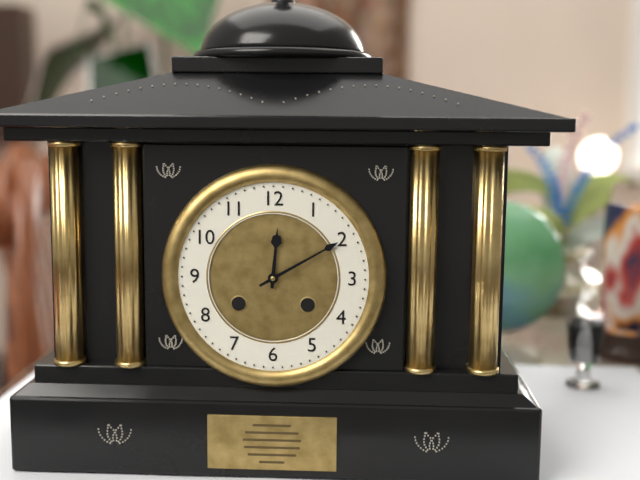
12.10
